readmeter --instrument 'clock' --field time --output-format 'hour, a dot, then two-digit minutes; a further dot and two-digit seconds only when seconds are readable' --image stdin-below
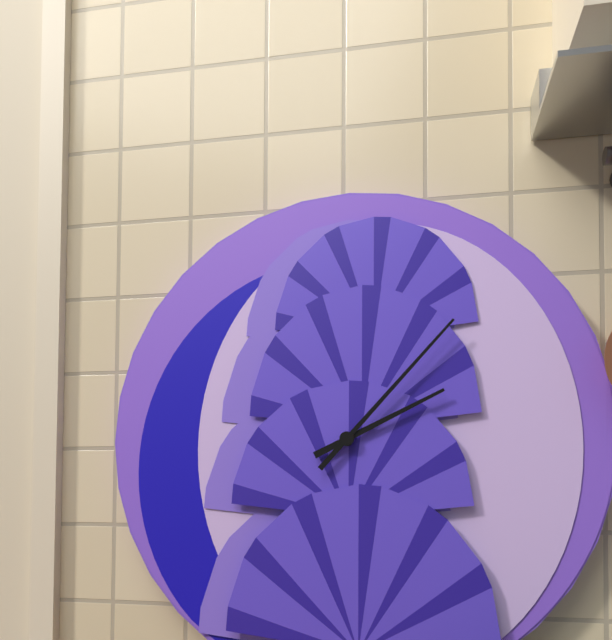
2.07
